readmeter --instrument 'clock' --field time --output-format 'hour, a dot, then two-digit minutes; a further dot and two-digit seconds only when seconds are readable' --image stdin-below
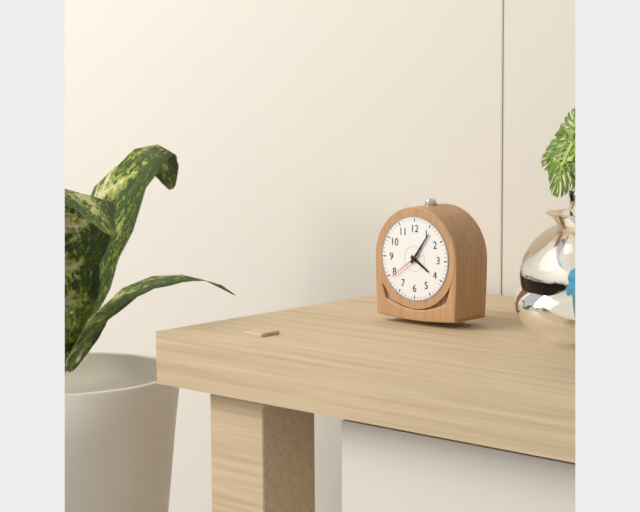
4.06
